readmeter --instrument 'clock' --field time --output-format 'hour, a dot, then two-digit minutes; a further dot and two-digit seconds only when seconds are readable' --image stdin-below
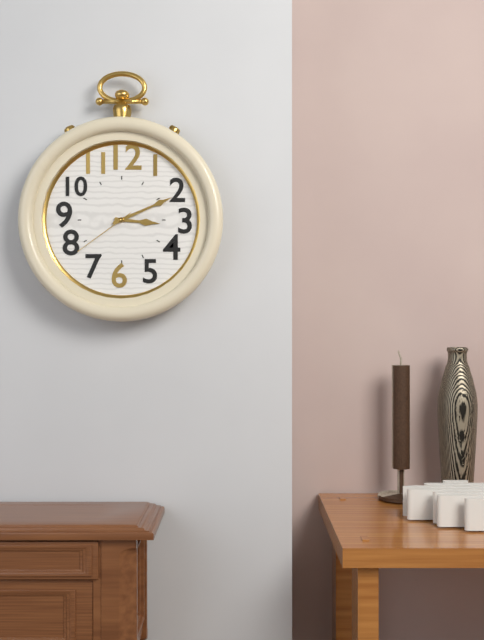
3.11.39
